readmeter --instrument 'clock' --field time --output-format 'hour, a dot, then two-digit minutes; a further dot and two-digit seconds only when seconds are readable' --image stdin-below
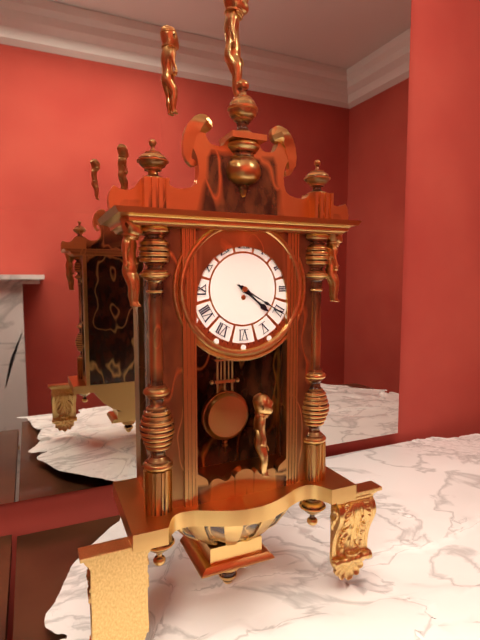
4.20
